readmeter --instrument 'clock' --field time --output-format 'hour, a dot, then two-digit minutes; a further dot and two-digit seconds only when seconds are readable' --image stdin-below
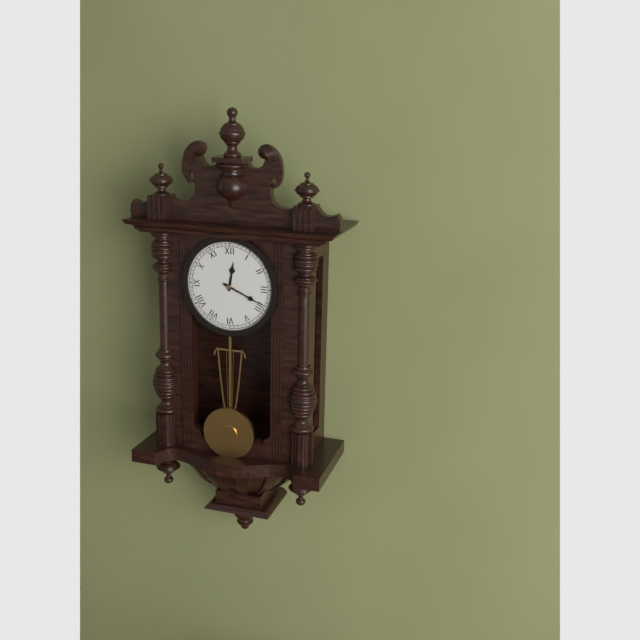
12.19
